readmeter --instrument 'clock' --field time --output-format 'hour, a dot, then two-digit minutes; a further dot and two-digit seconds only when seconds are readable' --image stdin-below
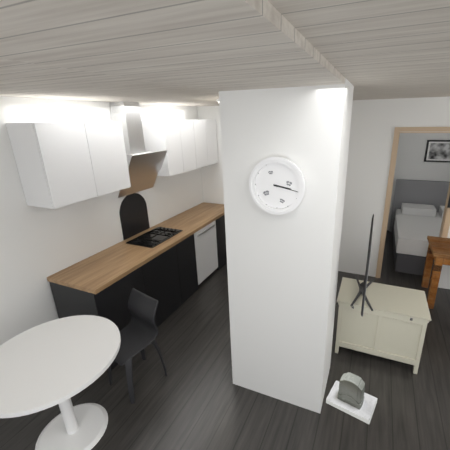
3.17
